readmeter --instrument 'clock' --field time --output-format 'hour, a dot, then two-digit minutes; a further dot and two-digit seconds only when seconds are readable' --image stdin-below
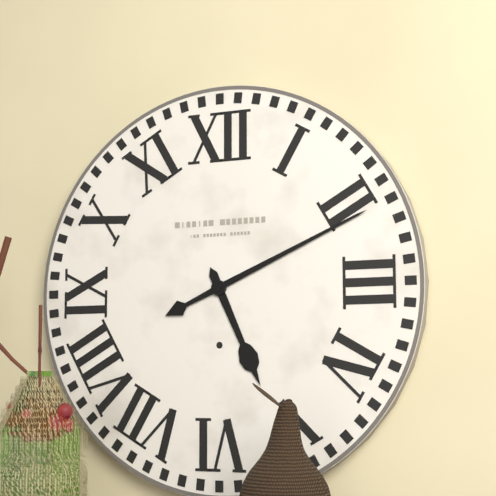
5.11
